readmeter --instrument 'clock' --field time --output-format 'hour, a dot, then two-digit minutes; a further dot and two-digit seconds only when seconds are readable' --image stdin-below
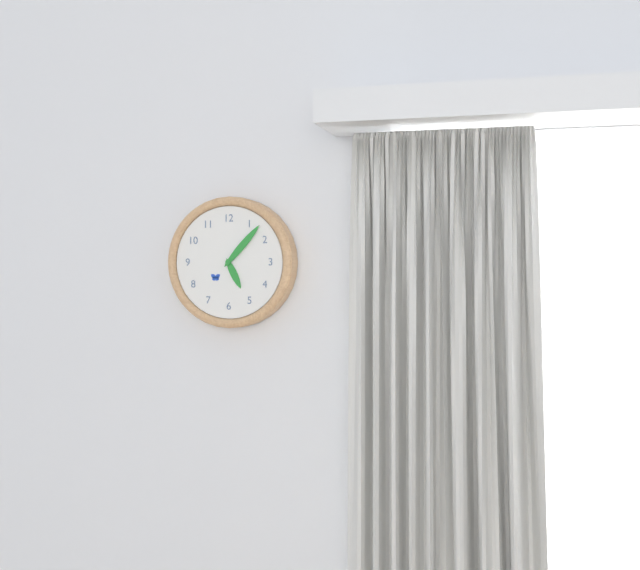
5.07
